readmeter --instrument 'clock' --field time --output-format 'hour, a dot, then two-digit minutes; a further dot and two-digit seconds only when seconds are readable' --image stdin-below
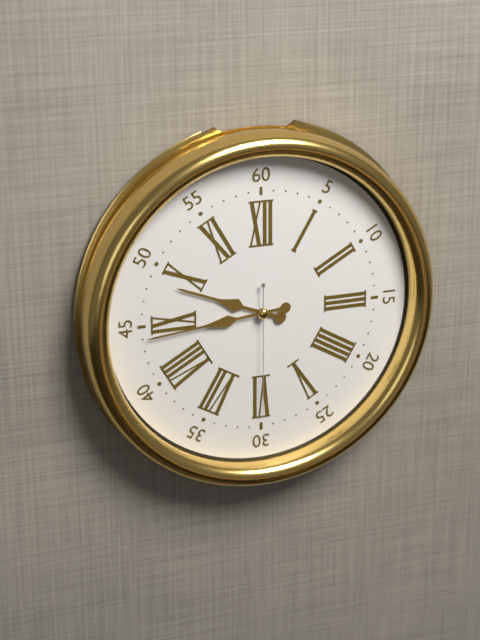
9.44.30
